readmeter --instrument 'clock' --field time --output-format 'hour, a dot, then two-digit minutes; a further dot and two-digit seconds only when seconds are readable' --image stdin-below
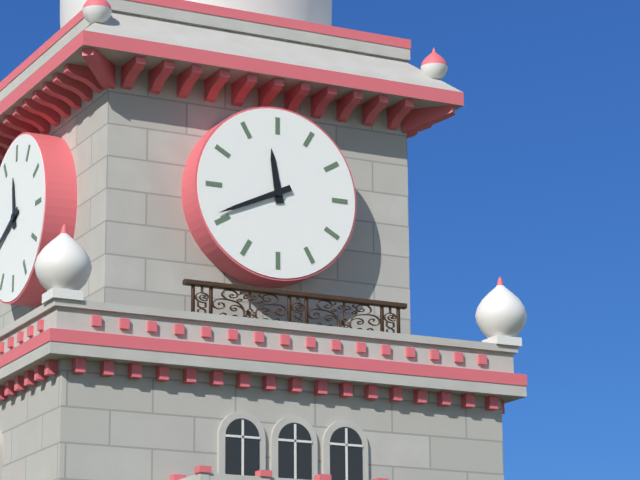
11.41
